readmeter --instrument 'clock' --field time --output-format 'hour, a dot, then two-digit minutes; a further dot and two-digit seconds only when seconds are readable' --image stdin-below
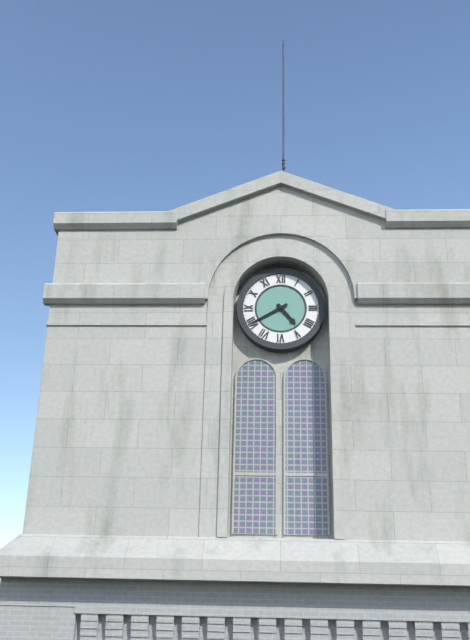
4.40
